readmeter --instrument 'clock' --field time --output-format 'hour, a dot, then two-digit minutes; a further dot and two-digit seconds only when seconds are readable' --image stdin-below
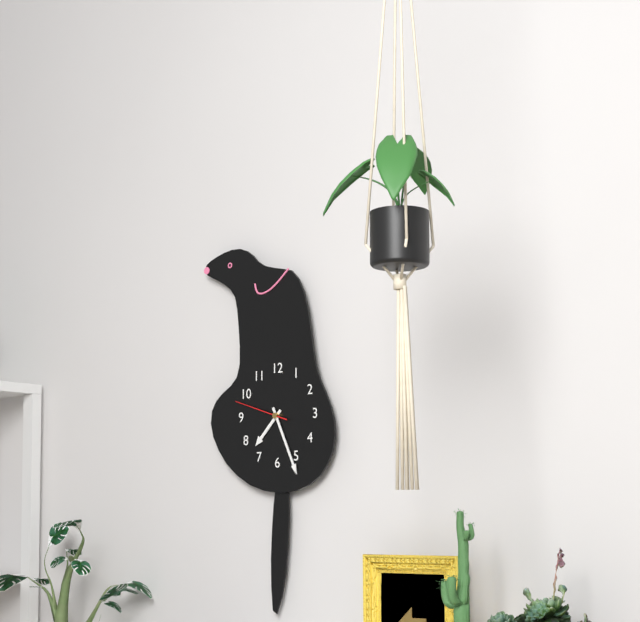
7.26.48
